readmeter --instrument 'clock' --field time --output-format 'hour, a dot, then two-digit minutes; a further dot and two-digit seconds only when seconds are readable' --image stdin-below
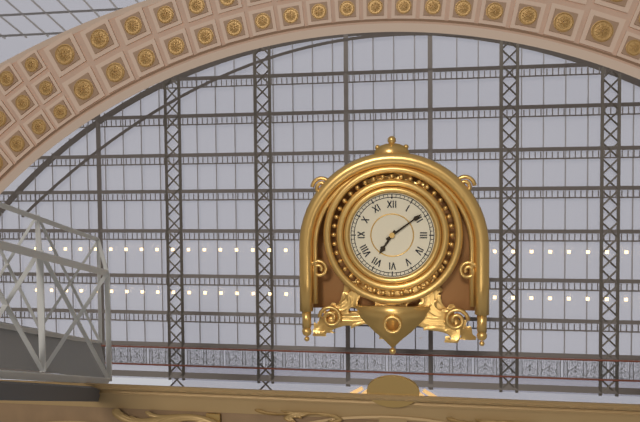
7.09
